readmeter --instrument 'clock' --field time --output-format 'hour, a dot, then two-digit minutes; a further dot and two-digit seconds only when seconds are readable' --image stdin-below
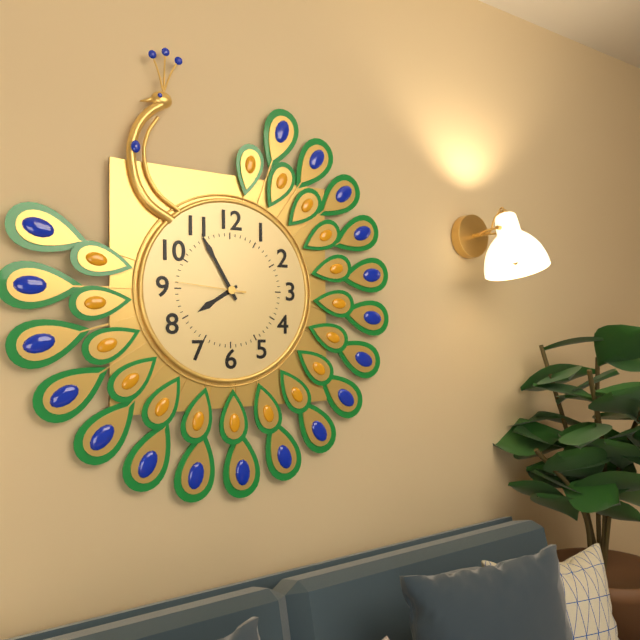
7.55.46
